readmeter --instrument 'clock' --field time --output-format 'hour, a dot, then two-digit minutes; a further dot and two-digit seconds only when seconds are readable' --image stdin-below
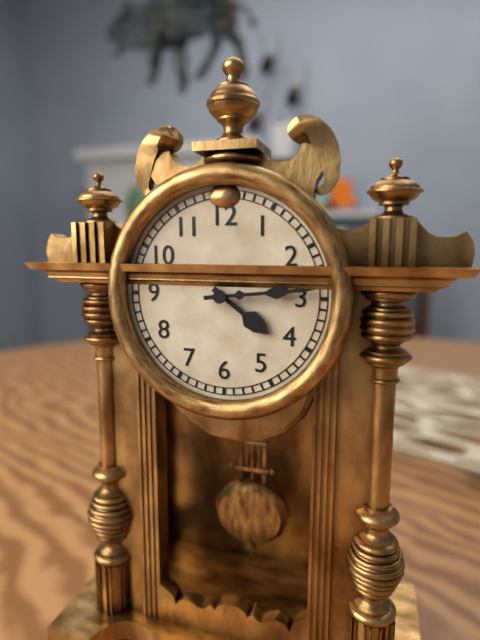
4.14
